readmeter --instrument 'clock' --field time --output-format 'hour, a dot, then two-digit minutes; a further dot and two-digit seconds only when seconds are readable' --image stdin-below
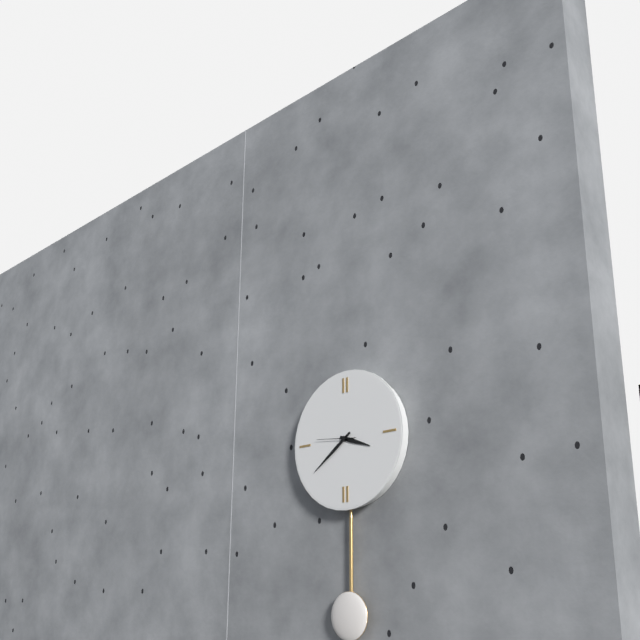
3.39
